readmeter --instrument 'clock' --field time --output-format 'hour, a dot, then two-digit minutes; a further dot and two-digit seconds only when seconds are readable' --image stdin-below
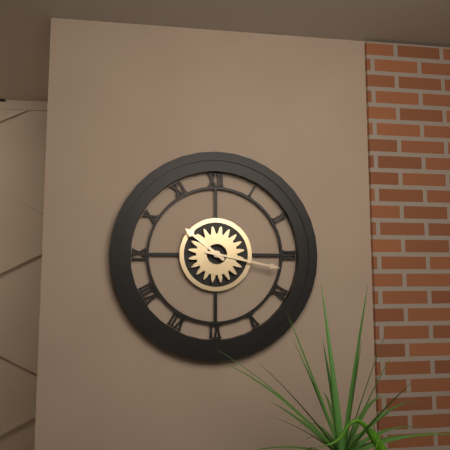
10.17
